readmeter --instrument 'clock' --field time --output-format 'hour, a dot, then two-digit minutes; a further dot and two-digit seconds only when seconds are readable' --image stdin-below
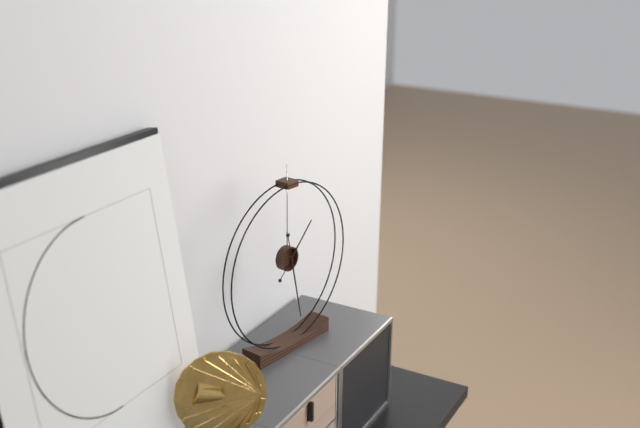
1.28
